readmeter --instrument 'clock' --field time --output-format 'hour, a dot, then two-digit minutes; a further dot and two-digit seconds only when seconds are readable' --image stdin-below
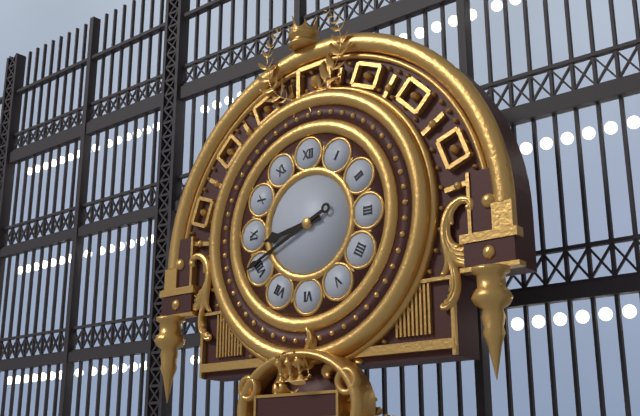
8.41
